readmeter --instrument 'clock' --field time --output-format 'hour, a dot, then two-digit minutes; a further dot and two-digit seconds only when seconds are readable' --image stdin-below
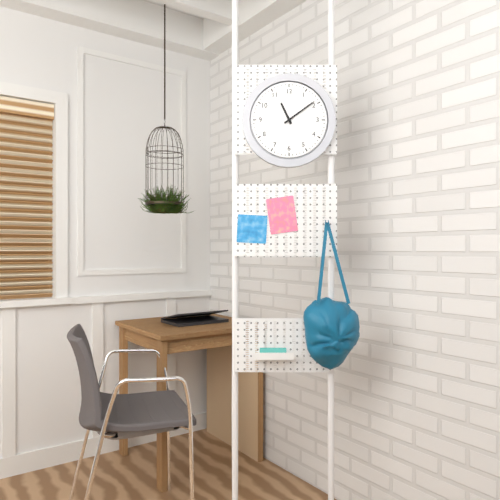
11.09
